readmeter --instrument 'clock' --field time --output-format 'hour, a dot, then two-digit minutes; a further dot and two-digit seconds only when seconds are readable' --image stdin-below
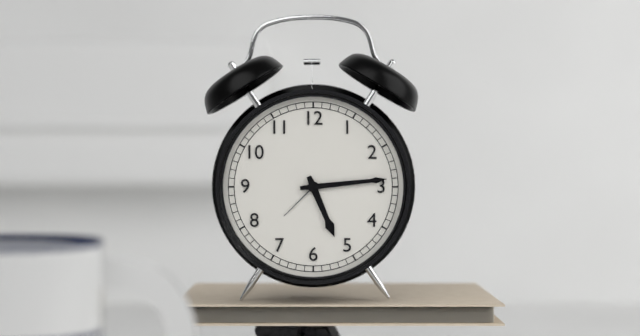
5.14
